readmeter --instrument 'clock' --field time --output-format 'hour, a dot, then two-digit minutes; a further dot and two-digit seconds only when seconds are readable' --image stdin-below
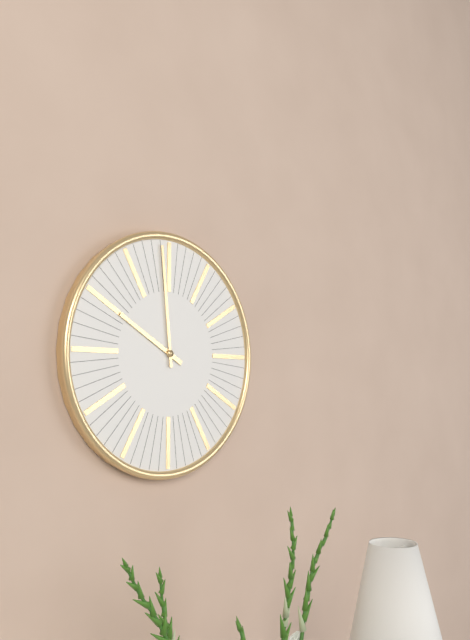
9.59
